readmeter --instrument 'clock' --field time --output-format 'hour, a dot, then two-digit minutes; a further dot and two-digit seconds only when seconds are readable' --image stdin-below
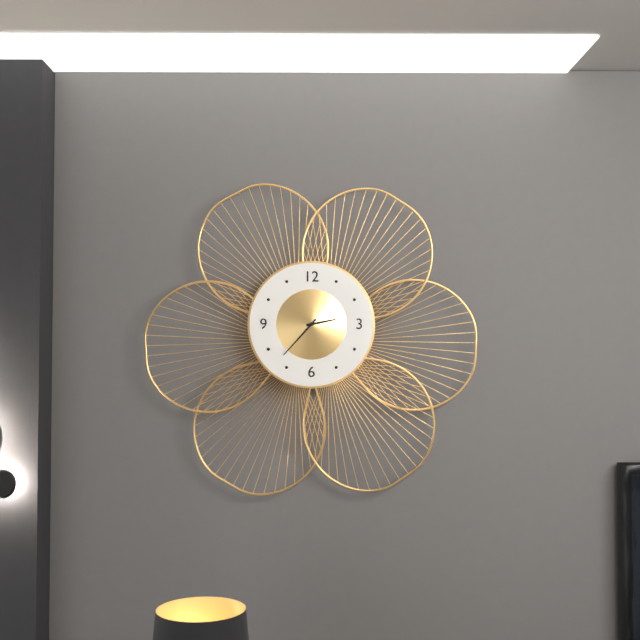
2.37
